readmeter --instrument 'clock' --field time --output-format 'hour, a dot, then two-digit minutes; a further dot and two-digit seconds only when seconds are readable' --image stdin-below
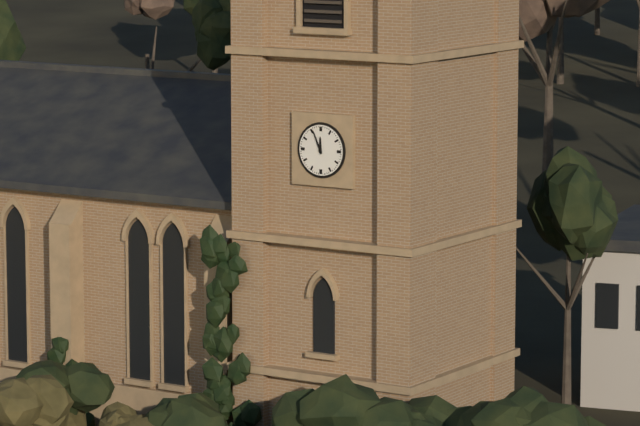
11.56
